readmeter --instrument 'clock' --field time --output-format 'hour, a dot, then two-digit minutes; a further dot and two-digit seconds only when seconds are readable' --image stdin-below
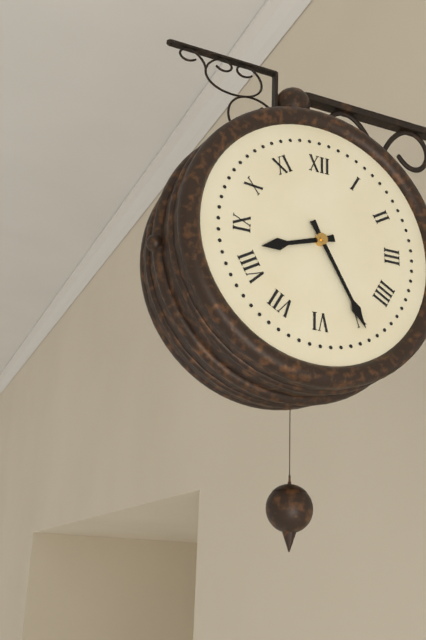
8.25
